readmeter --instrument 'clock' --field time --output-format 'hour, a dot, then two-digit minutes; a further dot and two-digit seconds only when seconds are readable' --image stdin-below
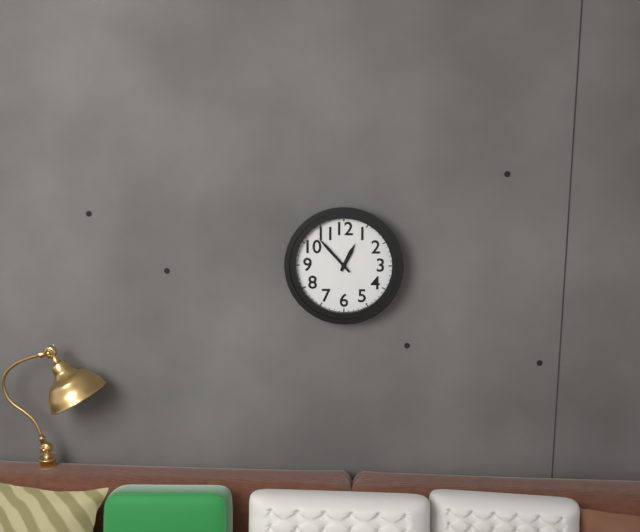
12.53
